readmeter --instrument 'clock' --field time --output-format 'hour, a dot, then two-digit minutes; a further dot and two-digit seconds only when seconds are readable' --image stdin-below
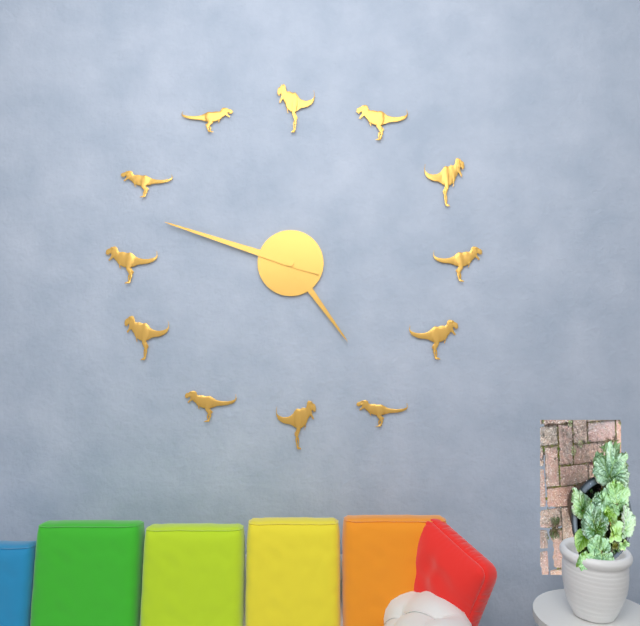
4.48
